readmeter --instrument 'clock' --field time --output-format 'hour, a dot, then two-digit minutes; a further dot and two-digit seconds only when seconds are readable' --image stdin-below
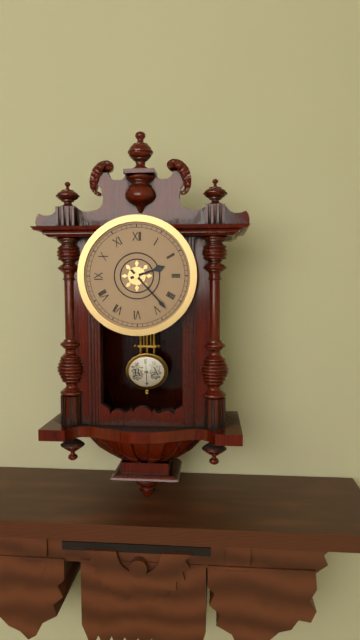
2.23
